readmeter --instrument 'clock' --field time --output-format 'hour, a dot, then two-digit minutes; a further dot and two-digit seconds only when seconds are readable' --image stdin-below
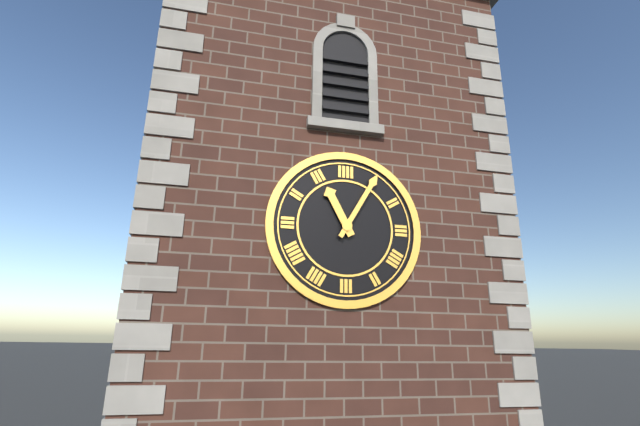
11.05
